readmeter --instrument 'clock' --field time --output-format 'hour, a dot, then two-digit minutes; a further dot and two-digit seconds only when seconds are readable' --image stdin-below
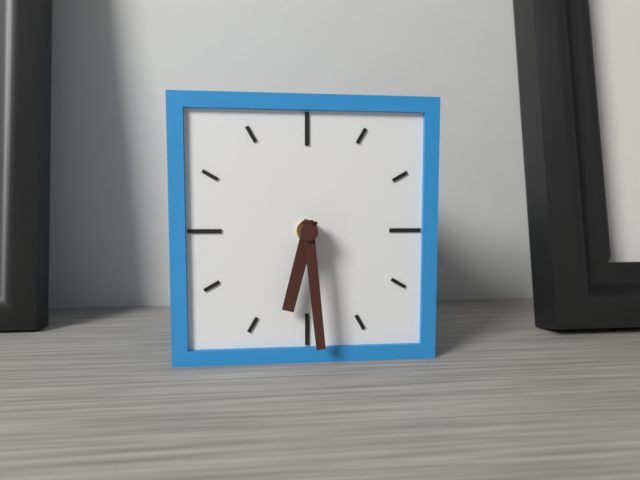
6.29
